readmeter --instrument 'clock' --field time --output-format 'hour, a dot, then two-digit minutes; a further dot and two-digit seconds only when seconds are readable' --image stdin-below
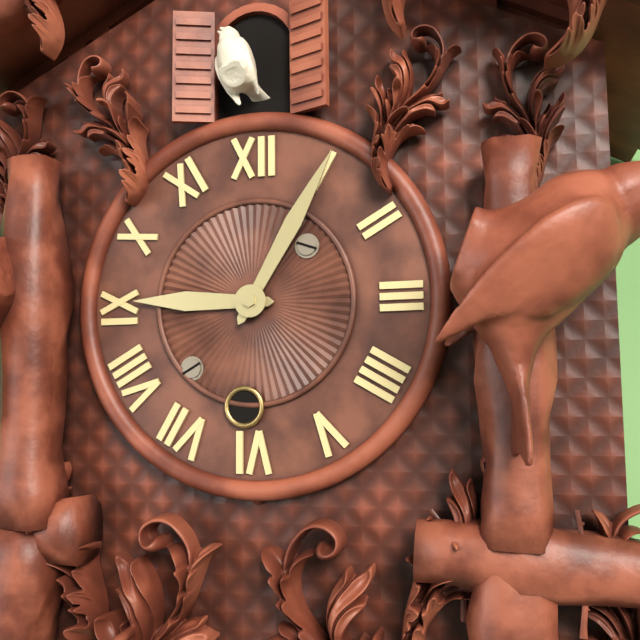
9.05
